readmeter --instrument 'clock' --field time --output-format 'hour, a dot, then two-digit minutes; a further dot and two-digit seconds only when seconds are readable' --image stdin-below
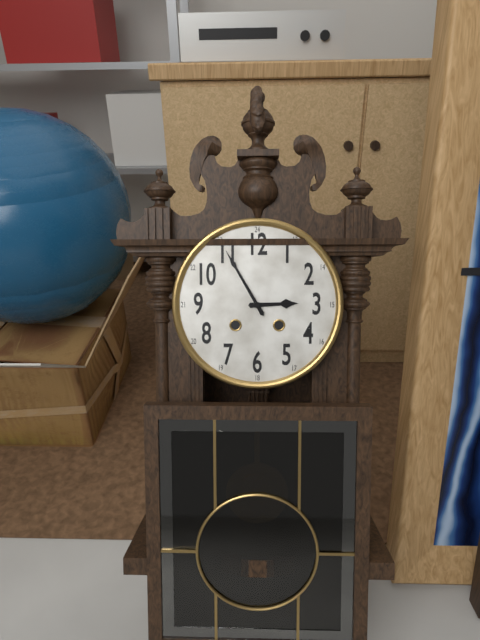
2.55
